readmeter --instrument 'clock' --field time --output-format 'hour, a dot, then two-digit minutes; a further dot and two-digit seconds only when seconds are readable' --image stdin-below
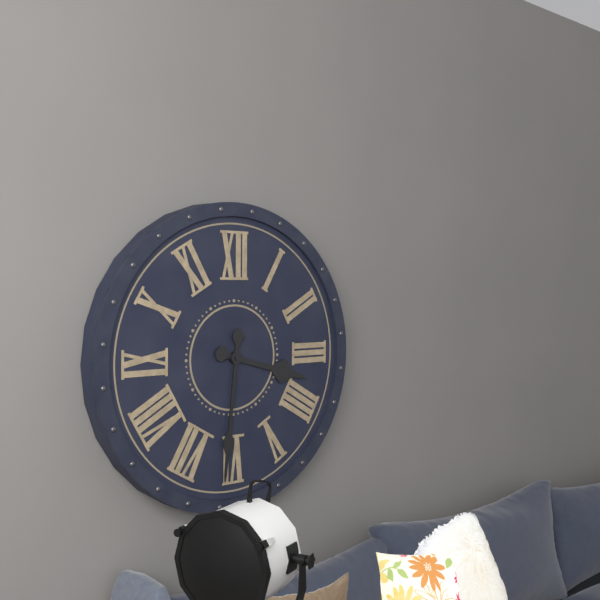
3.31
